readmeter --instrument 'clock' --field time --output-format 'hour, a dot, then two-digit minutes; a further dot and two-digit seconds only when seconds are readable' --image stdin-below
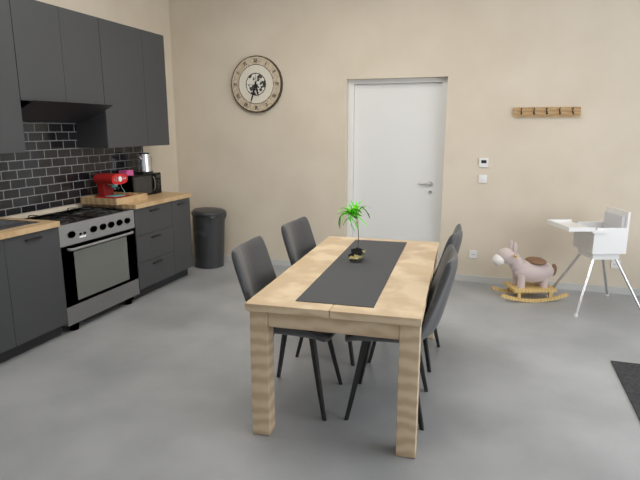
5.33
